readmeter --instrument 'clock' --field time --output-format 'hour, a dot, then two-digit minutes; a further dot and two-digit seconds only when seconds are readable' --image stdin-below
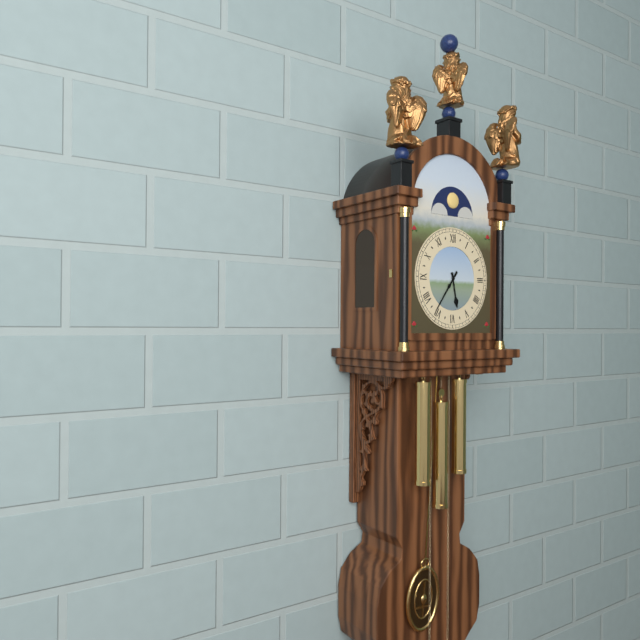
5.36
